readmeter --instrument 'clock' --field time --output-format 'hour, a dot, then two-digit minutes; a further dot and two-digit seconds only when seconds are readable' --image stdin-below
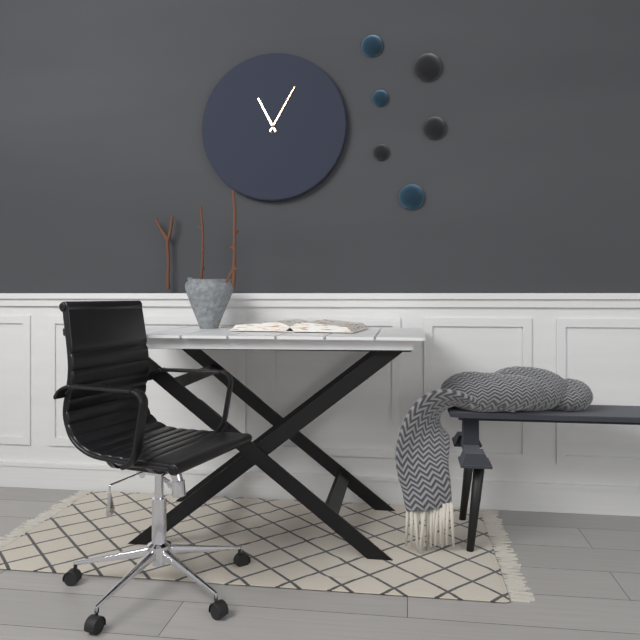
11.05
